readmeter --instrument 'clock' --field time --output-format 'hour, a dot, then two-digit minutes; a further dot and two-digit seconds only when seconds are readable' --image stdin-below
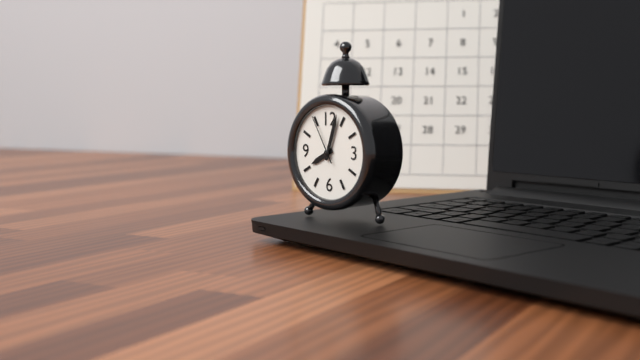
8.03.55
